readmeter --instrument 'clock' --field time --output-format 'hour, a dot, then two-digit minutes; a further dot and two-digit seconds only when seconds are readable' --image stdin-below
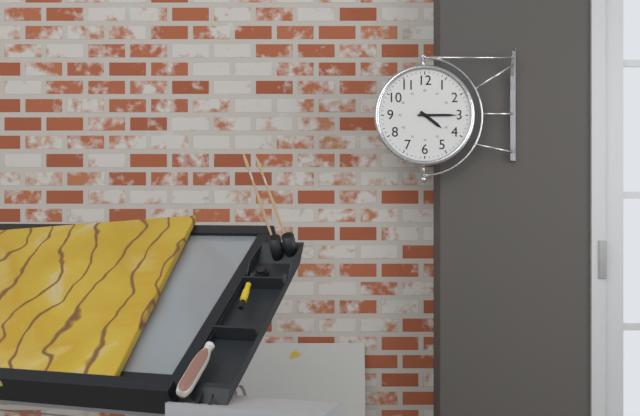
4.15
